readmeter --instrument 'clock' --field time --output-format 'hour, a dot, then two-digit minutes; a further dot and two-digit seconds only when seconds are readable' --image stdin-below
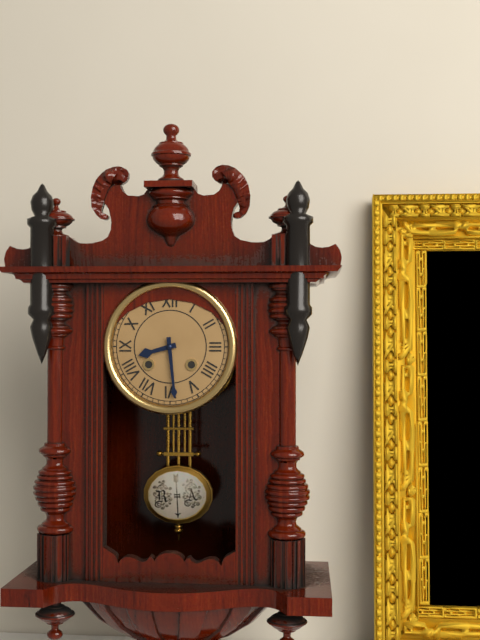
8.29
